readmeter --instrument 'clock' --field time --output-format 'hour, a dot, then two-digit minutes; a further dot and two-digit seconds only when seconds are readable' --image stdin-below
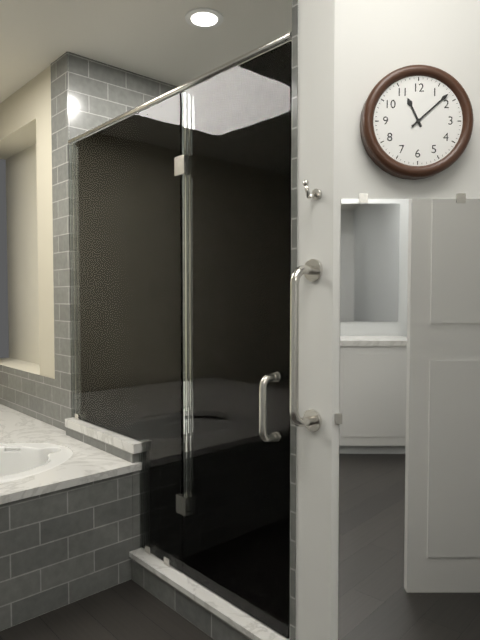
11.08
